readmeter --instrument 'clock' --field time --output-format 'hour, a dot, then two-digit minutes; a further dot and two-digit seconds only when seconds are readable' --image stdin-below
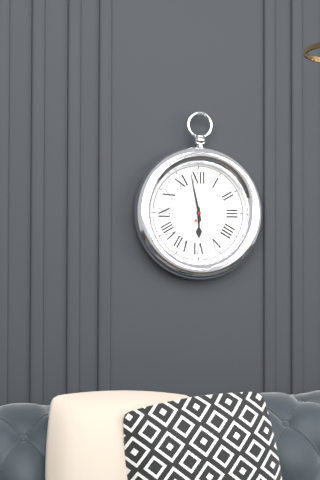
5.58.04
